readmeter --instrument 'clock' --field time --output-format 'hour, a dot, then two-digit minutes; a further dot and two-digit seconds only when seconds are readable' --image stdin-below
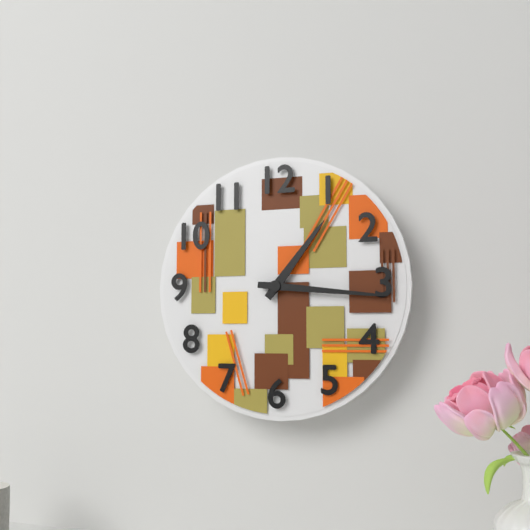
1.16
